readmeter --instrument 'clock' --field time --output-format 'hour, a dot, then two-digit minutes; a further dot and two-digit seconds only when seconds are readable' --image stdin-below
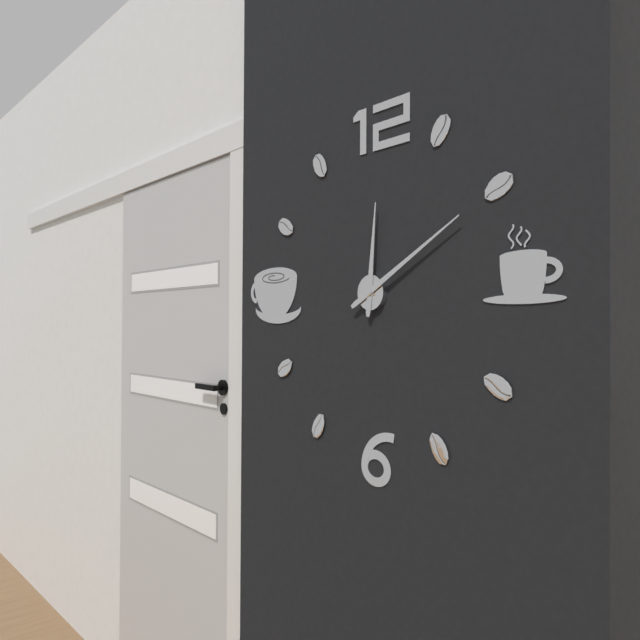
12.10
